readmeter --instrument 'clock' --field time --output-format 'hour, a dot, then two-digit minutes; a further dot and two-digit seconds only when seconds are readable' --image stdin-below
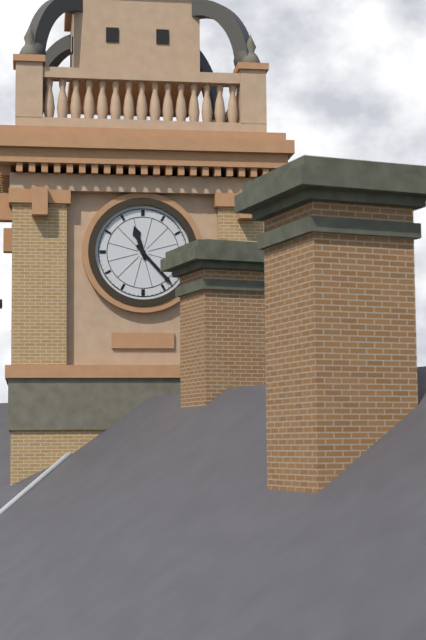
11.23
